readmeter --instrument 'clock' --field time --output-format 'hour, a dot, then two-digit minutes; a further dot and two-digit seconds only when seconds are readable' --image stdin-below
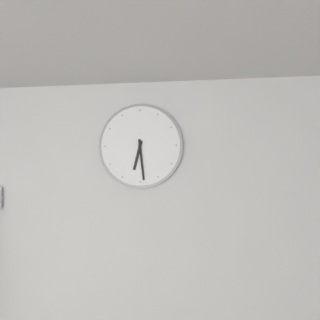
6.29
